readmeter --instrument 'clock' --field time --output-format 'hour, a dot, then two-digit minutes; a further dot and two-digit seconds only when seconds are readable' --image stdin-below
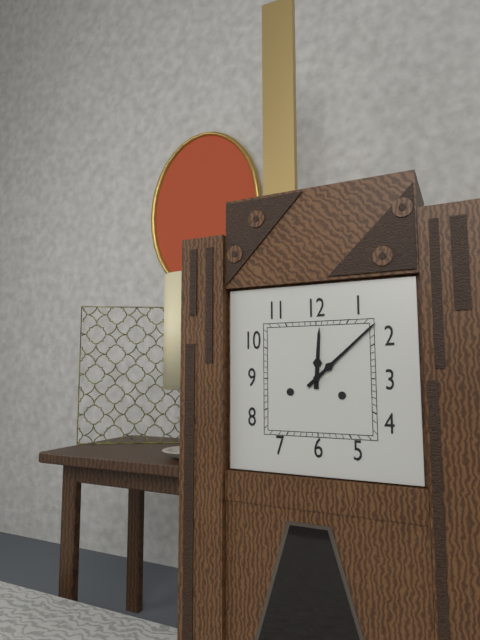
12.08
